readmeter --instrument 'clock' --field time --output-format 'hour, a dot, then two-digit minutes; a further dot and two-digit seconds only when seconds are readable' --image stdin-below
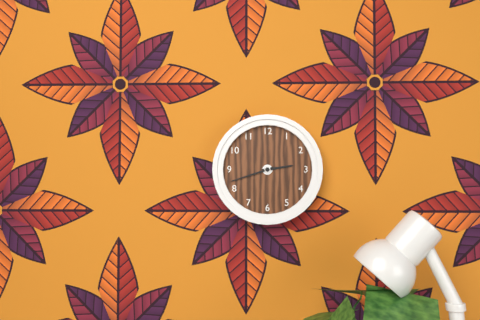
2.42
